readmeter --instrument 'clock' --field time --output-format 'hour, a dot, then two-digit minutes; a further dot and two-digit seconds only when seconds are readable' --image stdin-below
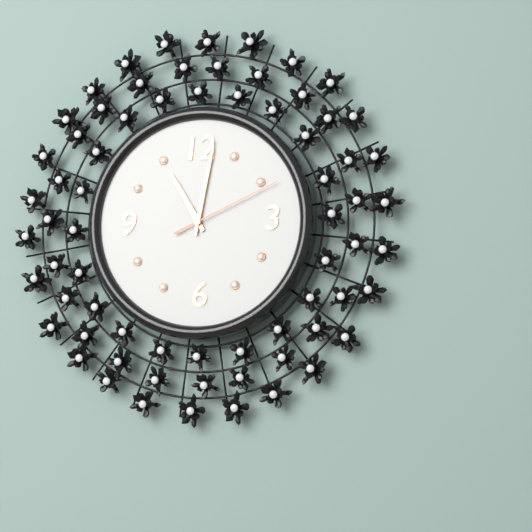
11.02.11
